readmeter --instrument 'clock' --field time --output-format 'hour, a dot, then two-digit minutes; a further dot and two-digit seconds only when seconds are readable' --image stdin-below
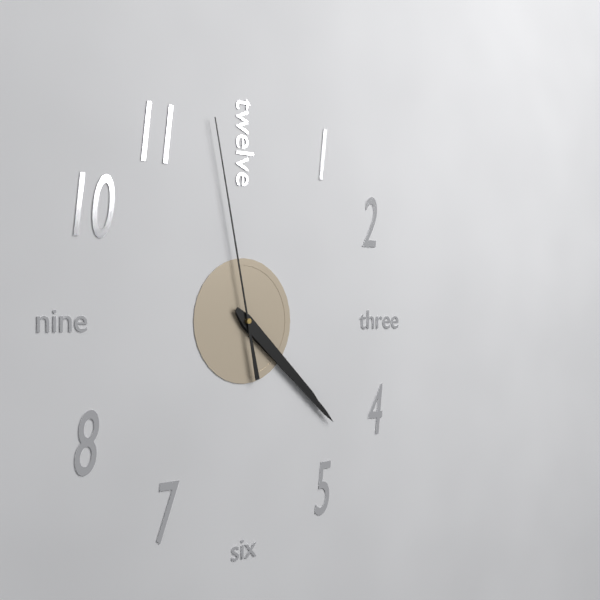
4.22.58
